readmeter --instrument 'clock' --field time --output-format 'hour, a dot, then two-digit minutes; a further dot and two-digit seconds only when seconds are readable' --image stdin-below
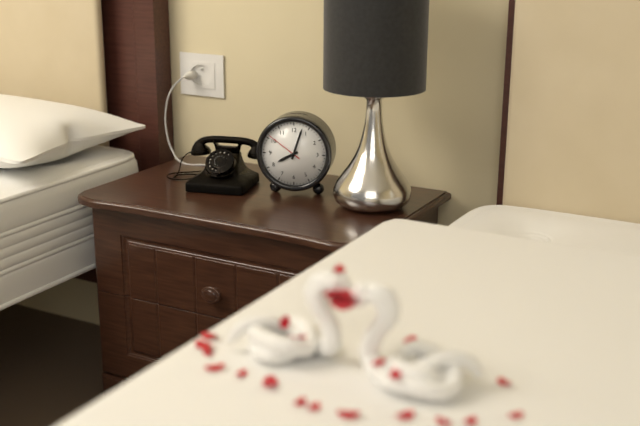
8.03
